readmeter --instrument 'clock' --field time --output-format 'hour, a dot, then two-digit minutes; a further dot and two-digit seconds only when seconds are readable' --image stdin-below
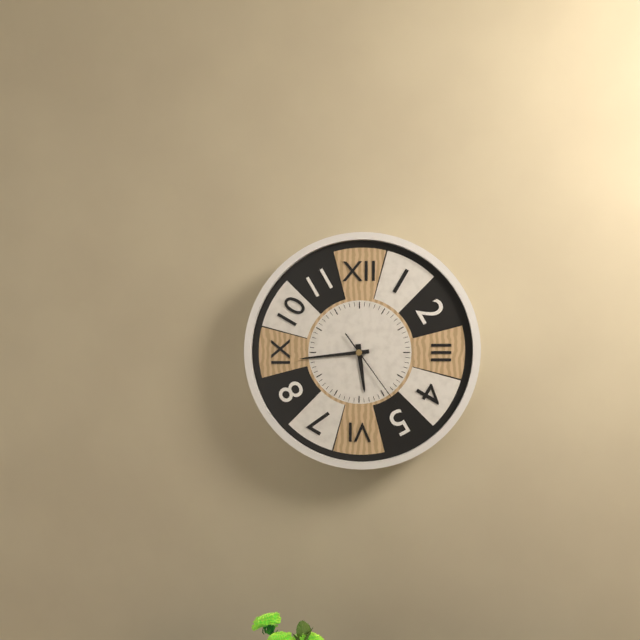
5.44.24
